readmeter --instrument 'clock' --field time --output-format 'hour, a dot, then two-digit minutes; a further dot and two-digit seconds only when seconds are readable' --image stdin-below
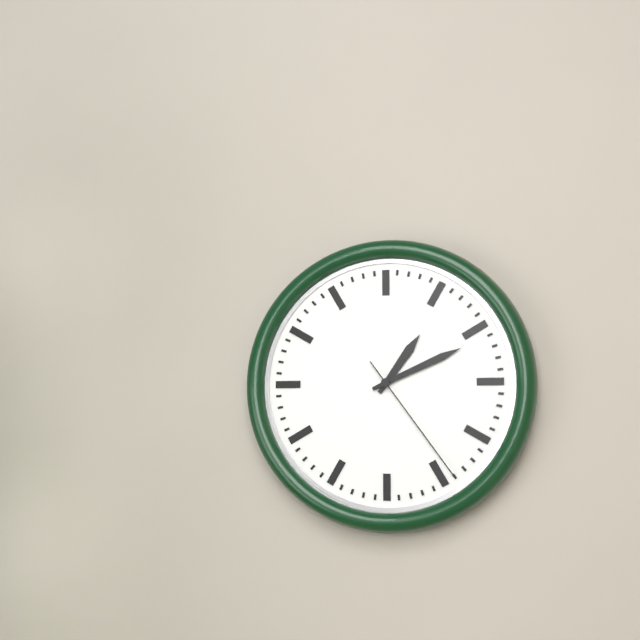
1.11.24
